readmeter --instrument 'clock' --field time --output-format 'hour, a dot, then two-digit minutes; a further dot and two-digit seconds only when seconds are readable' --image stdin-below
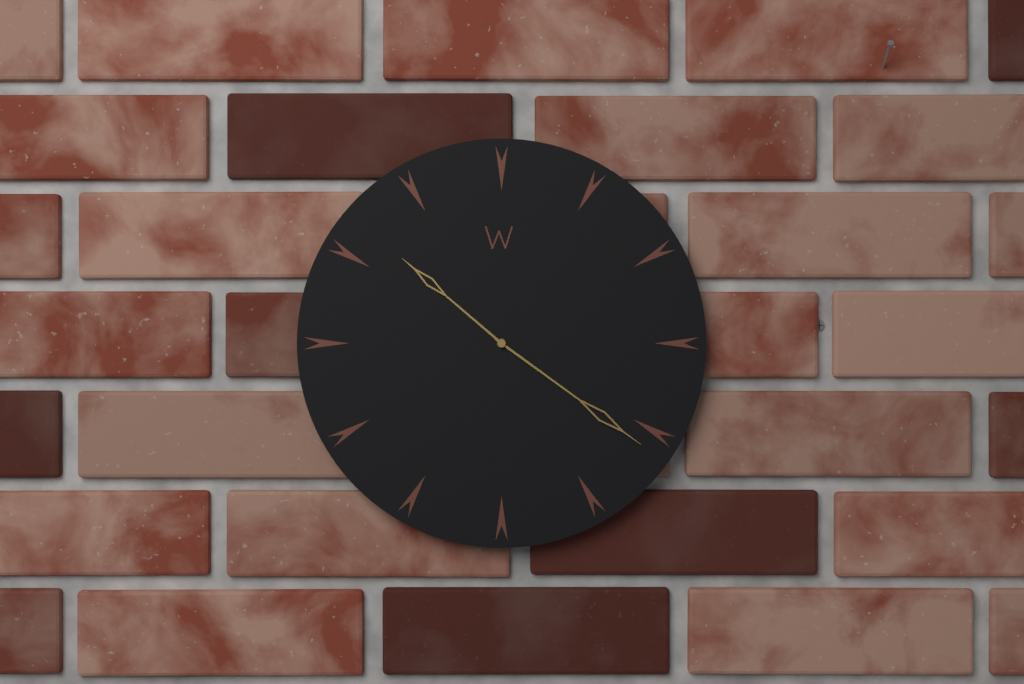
10.21
